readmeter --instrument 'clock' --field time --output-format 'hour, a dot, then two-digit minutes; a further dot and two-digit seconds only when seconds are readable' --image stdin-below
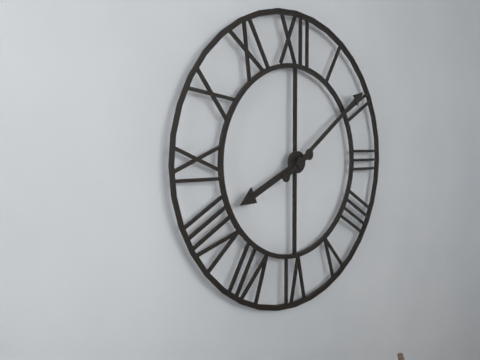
8.09
